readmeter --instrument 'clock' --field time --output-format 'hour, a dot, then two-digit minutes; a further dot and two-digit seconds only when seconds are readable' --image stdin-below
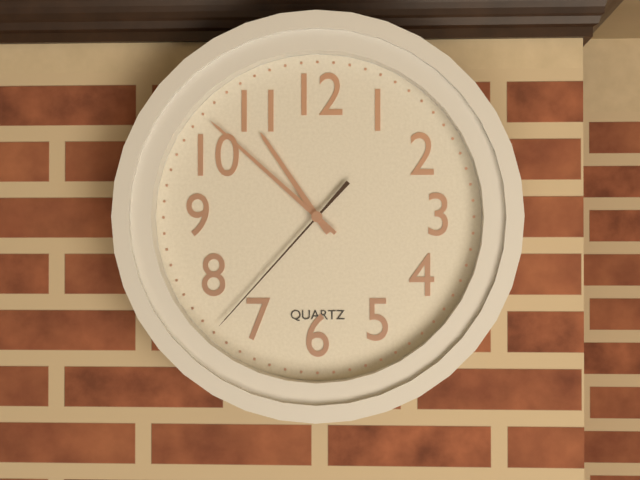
10.52.37
